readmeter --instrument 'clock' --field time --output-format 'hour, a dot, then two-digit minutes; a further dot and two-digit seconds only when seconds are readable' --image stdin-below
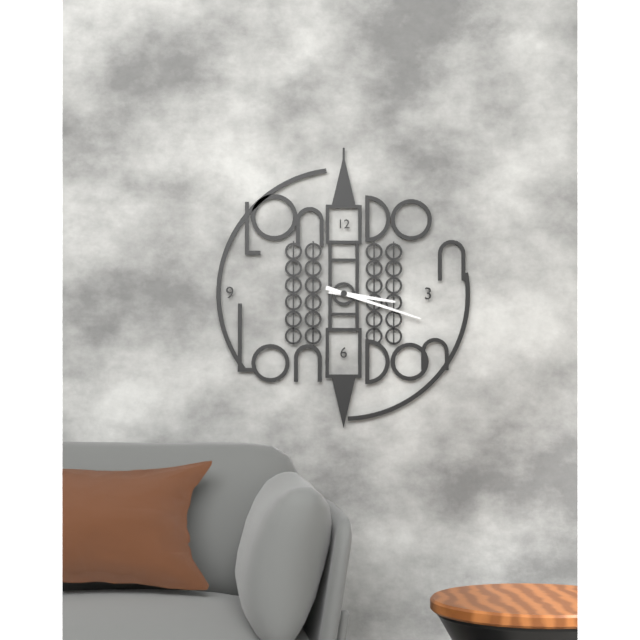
3.18
